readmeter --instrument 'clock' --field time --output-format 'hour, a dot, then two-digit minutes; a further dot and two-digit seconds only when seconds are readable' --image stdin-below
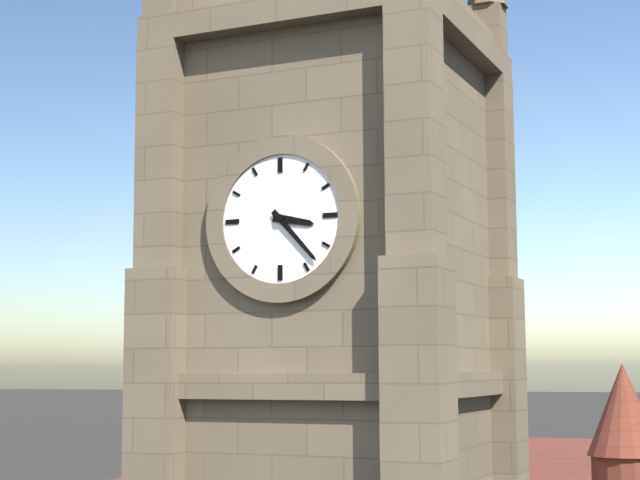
3.23
